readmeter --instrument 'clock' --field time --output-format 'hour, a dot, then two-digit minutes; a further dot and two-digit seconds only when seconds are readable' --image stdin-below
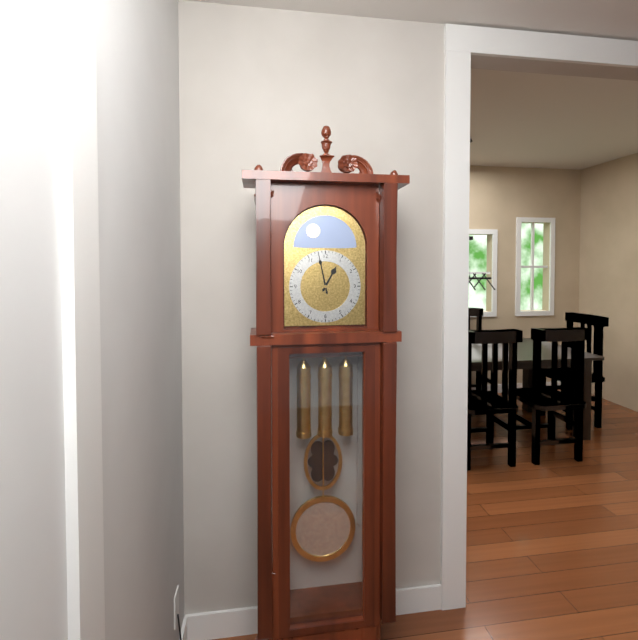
12.58
